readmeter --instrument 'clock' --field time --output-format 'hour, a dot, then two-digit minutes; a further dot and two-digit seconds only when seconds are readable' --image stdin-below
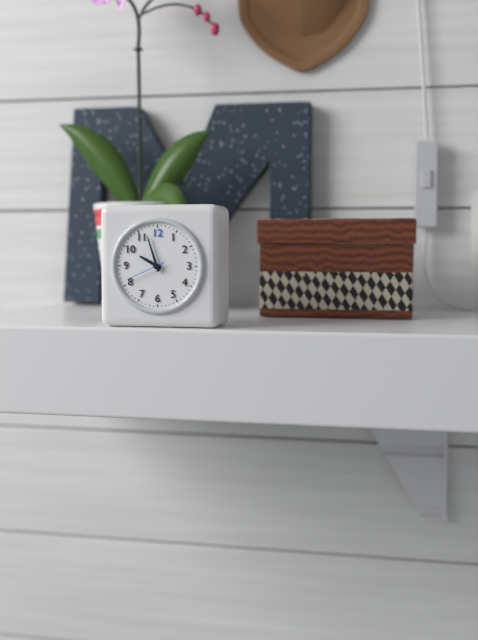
9.57
